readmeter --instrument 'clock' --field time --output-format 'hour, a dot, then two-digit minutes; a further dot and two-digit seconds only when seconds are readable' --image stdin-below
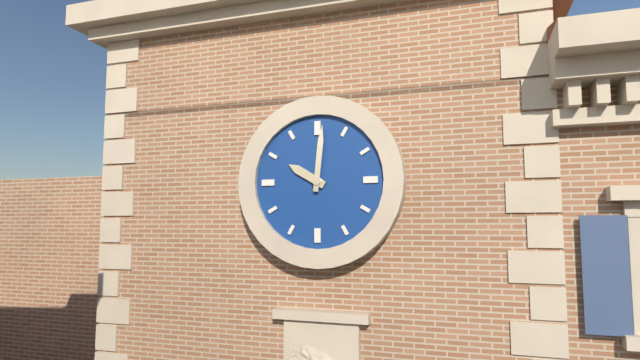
10.01
